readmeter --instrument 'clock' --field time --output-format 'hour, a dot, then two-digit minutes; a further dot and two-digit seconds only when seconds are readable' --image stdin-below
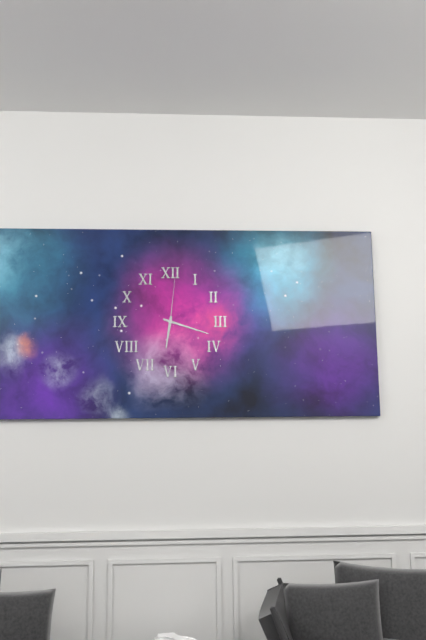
6.18.01
